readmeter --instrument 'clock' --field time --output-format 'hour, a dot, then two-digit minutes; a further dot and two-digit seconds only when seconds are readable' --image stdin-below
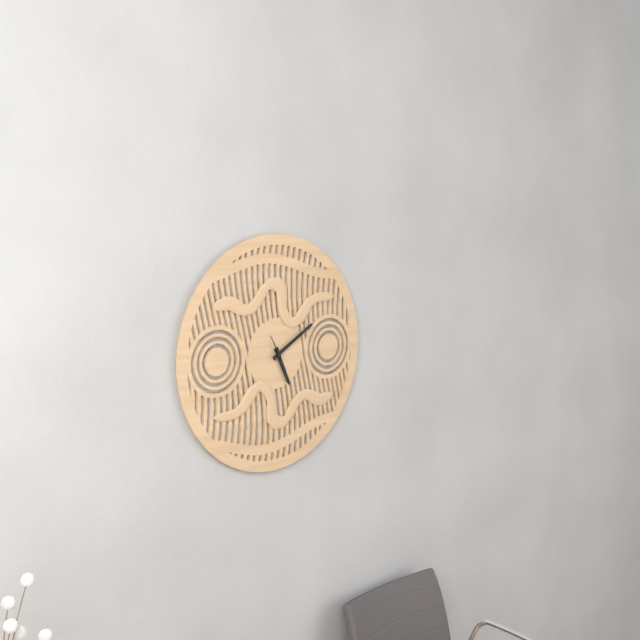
5.10
